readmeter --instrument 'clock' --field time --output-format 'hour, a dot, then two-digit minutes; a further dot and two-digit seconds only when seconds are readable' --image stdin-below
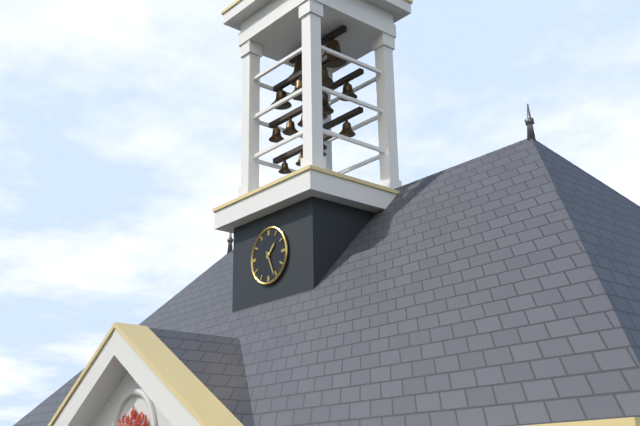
1.26
